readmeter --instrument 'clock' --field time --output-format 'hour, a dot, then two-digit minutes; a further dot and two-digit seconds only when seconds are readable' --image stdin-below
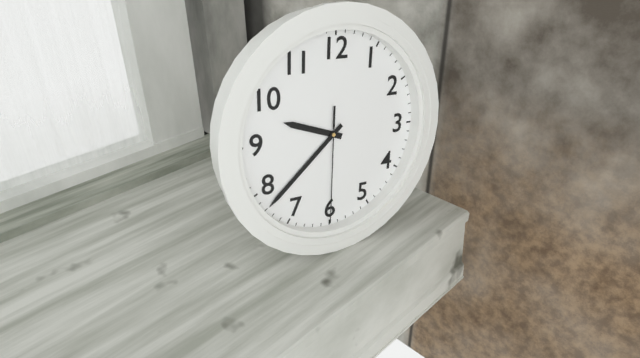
9.38.30
